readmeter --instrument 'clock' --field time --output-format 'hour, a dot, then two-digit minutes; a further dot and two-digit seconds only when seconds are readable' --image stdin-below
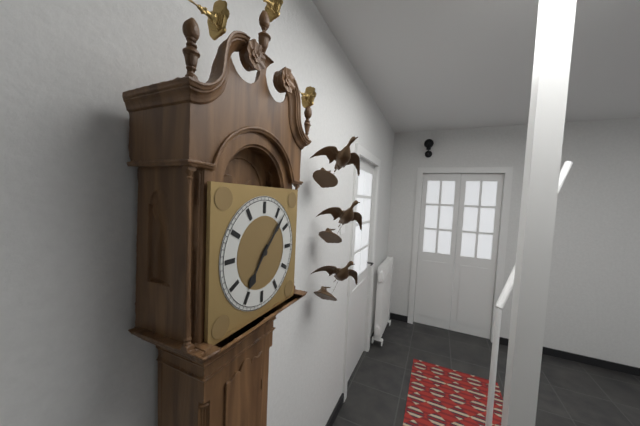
7.07
